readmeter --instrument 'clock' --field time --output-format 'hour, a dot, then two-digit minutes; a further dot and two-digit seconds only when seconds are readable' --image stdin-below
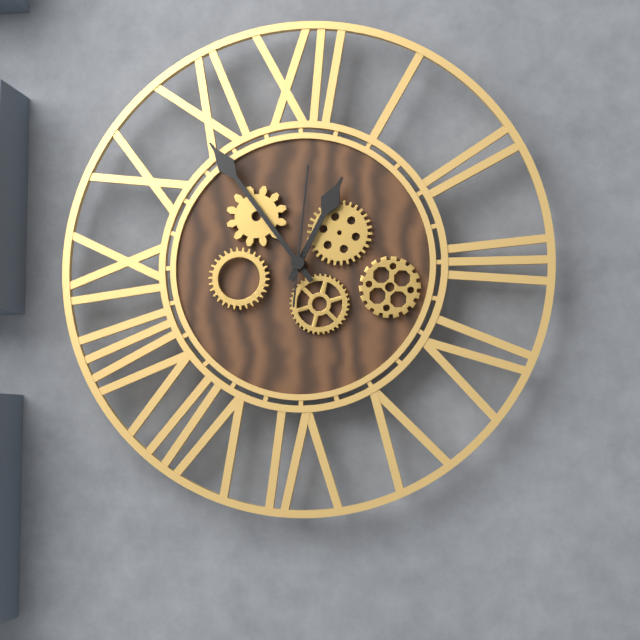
12.54.01
